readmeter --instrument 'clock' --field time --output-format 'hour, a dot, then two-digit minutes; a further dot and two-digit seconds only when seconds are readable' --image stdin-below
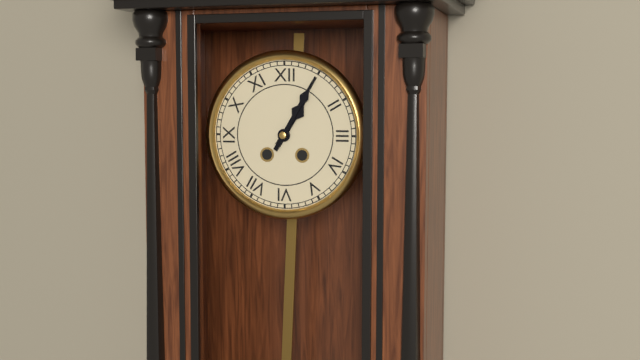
1.05
